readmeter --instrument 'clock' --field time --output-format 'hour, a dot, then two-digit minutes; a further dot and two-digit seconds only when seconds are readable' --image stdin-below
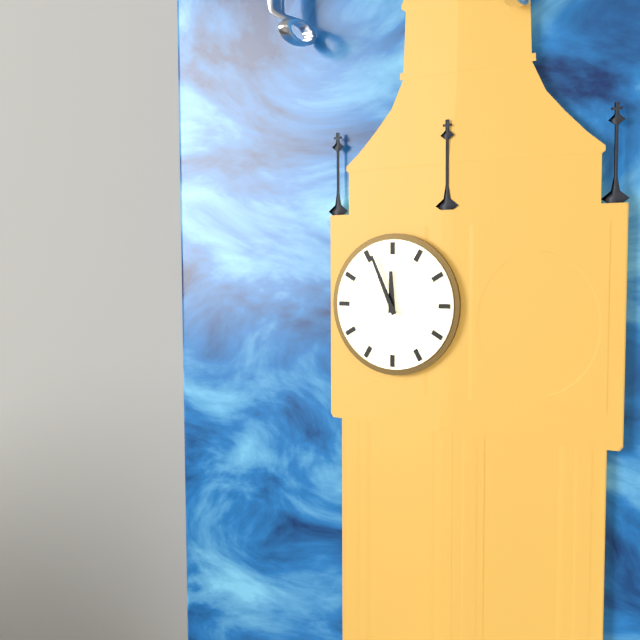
11.56
